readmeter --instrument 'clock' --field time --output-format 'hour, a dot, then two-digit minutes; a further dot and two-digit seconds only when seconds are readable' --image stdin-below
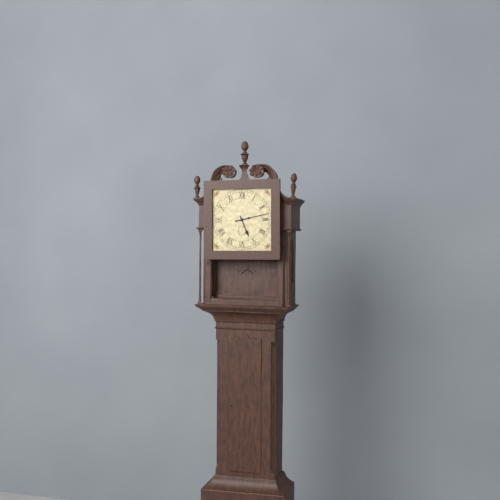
5.13
